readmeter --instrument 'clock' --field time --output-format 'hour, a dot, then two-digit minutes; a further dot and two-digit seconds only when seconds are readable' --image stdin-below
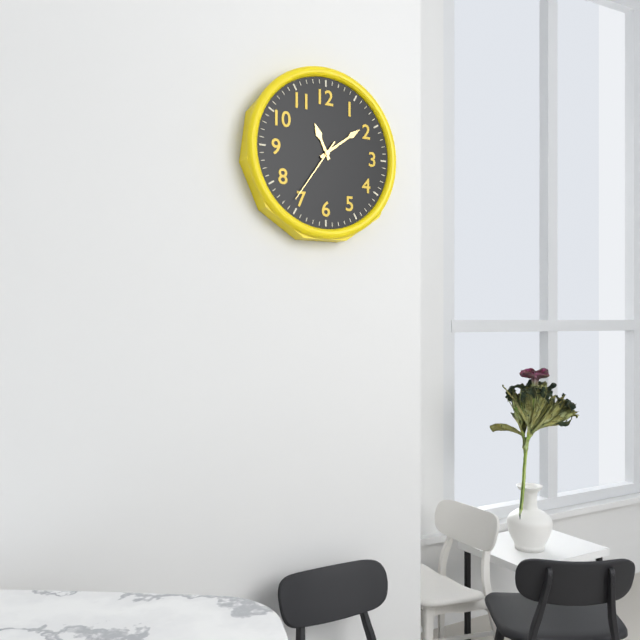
11.09.36
